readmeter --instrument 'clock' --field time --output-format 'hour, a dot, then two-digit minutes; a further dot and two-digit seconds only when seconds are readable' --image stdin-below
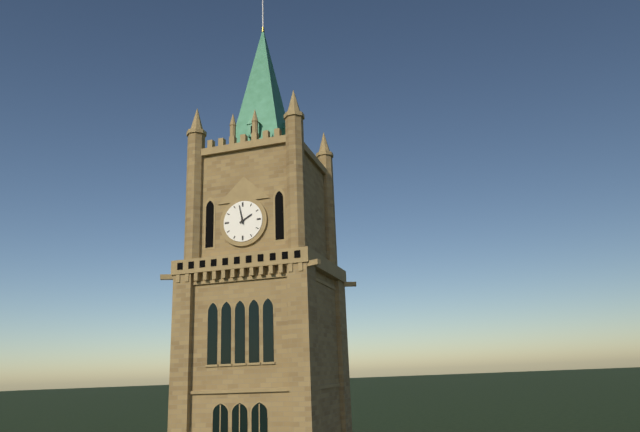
1.58
